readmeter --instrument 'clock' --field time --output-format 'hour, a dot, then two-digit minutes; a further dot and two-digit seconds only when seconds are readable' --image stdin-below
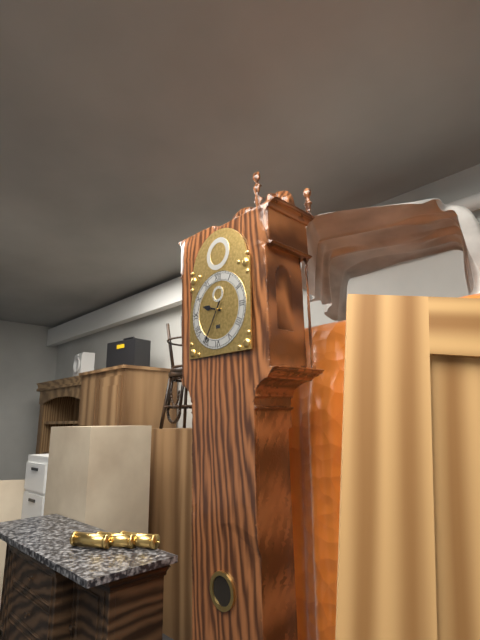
9.35
